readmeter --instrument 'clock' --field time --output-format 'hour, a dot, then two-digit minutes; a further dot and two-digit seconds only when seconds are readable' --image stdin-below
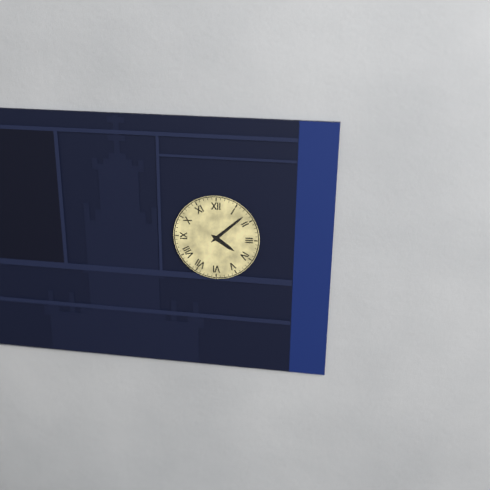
4.08
